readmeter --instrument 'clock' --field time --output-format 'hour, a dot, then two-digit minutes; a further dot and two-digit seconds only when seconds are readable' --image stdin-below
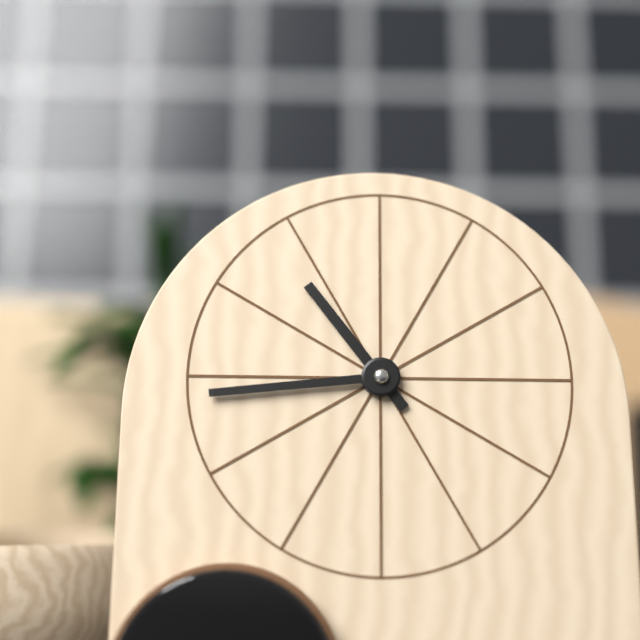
10.44
